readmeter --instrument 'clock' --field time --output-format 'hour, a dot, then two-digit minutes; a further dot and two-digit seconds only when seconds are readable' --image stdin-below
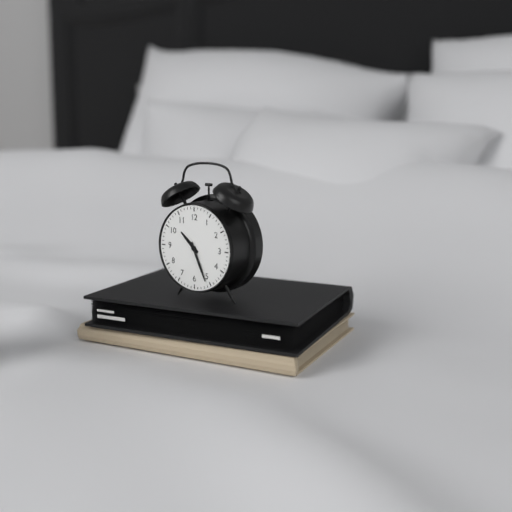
10.26
